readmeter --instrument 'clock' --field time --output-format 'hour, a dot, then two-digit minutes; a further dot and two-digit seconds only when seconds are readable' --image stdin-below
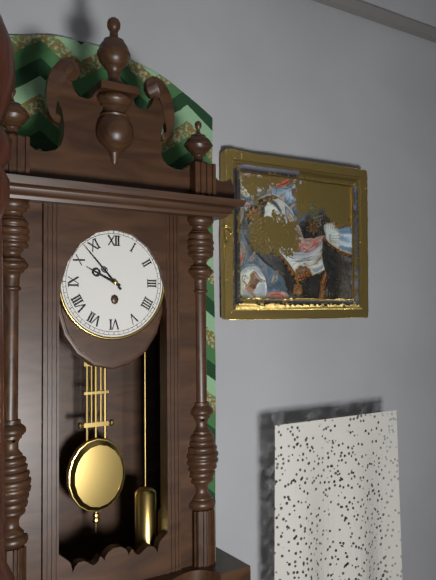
9.53
